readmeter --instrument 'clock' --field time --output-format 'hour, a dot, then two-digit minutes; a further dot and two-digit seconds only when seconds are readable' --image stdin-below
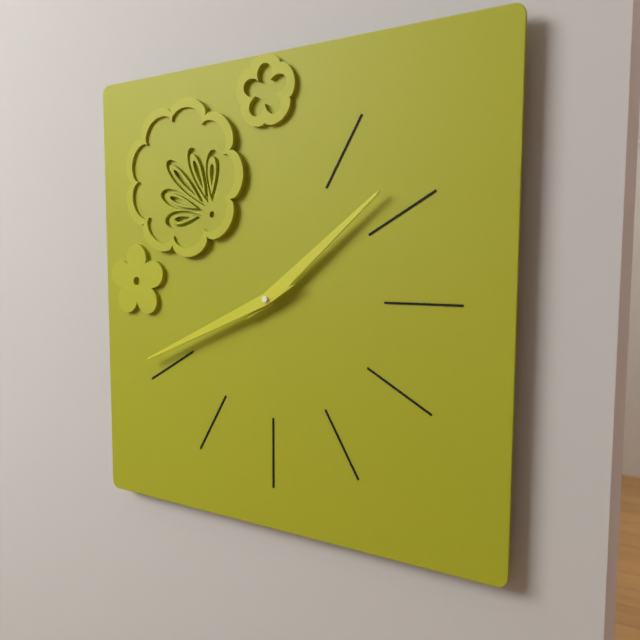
1.41
